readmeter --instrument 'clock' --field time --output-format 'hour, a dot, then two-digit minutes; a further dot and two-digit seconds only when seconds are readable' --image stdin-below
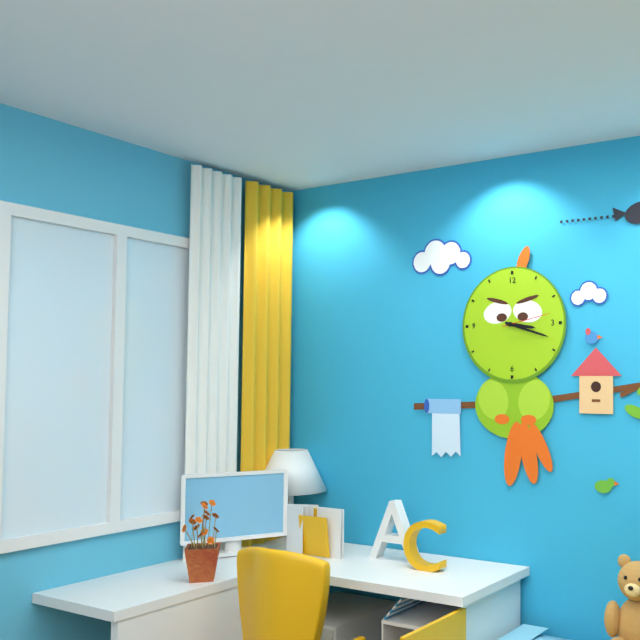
3.18.13
